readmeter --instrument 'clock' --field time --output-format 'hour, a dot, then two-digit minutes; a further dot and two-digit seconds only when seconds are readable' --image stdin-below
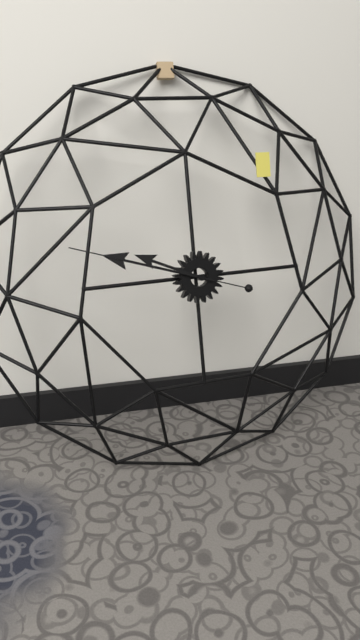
9.48.48
